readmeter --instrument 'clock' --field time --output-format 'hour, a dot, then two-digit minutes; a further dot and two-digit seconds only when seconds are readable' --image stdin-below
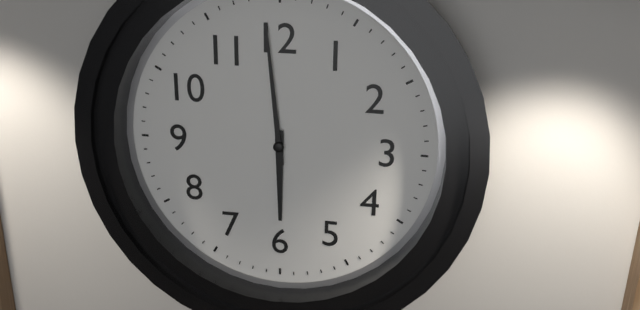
5.59
